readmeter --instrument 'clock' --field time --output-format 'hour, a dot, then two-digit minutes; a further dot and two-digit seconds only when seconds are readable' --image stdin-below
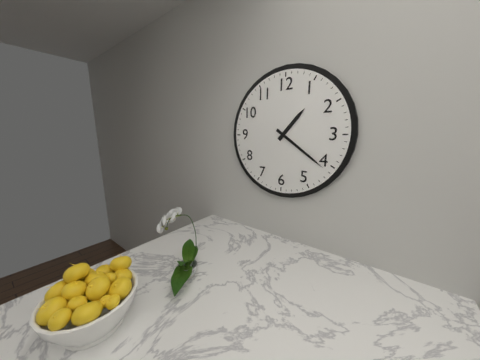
1.21
